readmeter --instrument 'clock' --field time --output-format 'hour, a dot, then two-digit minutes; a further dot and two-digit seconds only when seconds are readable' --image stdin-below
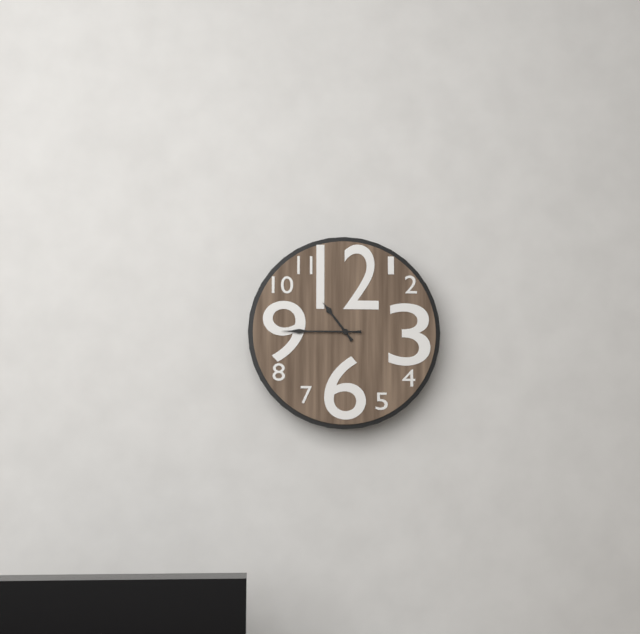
10.45
